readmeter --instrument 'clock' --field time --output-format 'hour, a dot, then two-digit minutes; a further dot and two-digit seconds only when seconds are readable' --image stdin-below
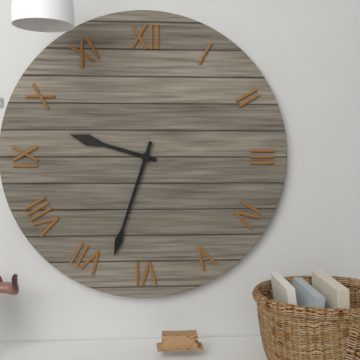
9.33
